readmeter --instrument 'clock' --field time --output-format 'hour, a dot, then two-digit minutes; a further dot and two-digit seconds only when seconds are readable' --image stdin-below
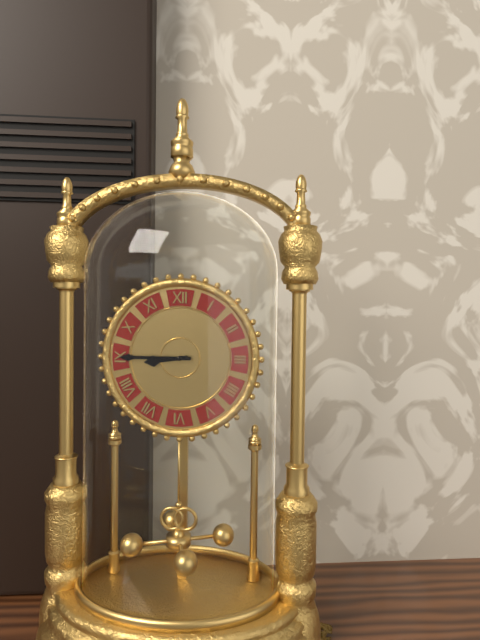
8.45
